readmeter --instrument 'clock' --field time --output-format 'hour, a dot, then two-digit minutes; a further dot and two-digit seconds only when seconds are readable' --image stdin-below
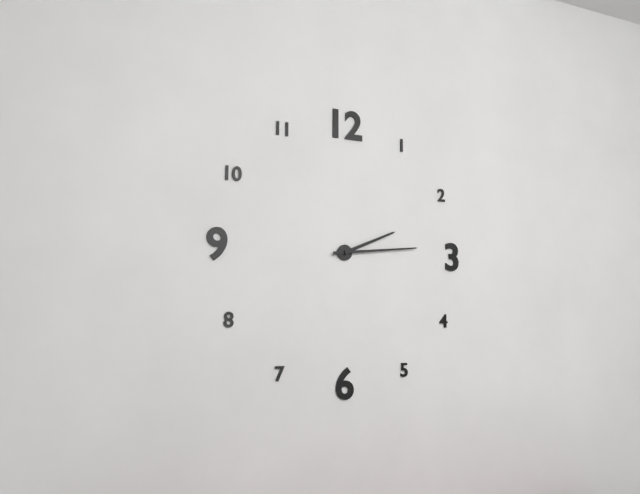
2.14
